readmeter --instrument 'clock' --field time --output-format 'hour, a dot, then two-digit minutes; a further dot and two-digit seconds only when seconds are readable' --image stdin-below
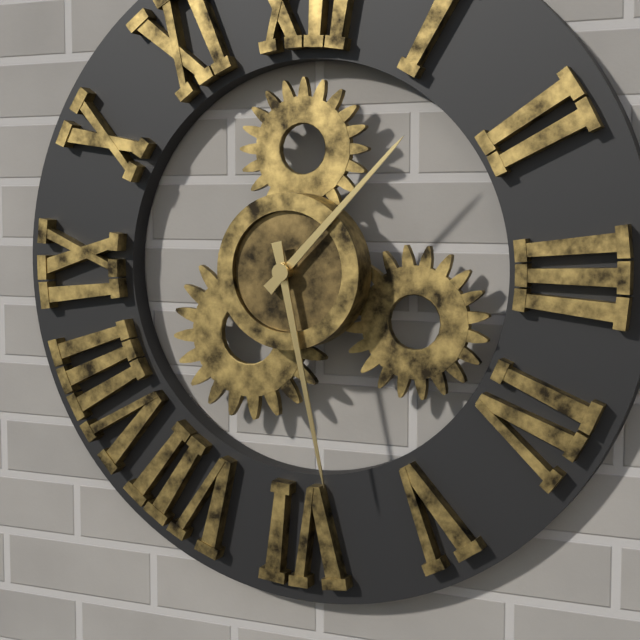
1.28
